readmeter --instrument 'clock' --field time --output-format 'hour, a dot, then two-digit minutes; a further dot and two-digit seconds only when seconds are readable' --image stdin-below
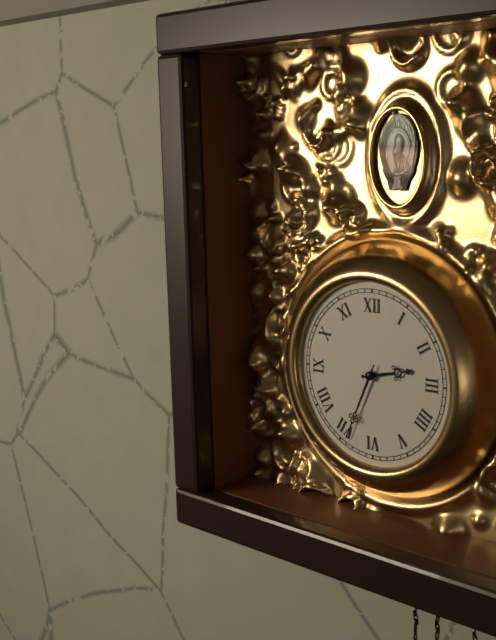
2.34
